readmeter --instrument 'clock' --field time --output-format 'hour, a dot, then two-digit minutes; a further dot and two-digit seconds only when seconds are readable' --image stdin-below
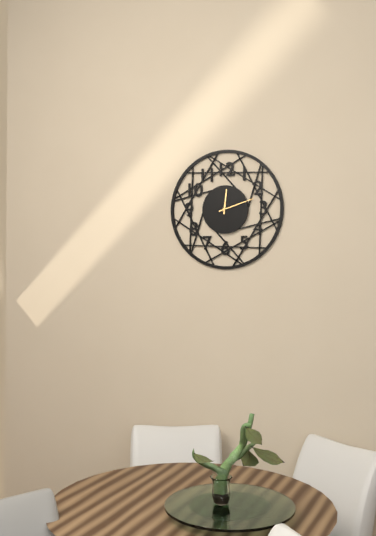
12.12
